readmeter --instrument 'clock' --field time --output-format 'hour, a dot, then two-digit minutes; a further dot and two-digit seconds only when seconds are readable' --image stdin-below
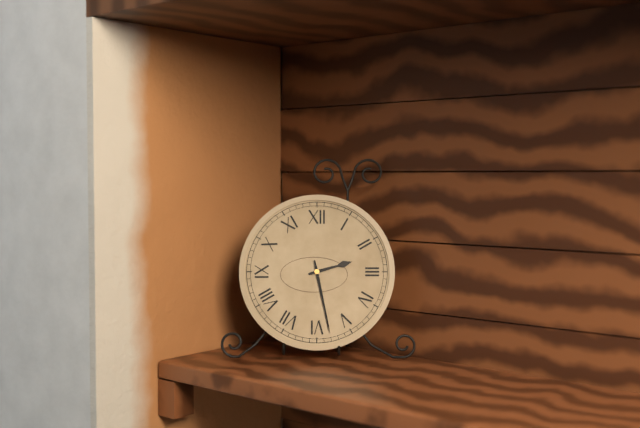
2.28
